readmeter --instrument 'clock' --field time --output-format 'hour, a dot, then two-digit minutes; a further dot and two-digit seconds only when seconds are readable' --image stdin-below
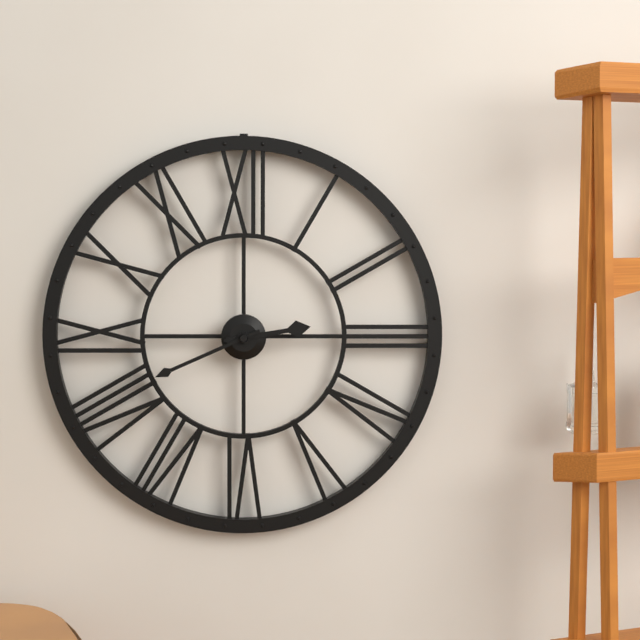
2.41
